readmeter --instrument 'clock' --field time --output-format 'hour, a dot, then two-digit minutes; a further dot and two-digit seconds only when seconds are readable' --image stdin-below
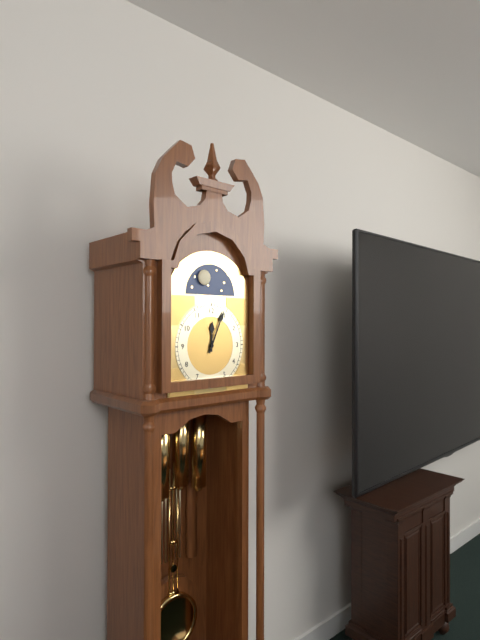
12.04
